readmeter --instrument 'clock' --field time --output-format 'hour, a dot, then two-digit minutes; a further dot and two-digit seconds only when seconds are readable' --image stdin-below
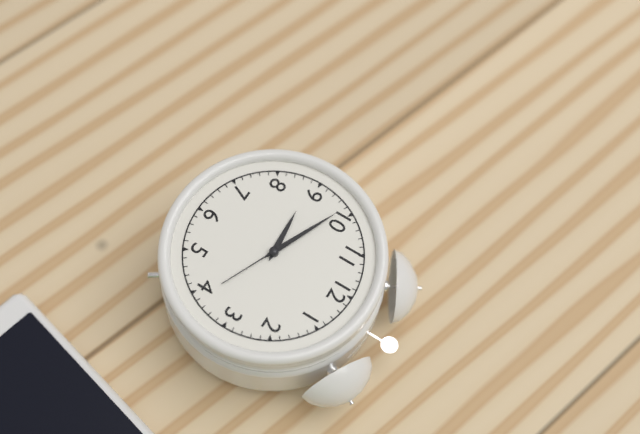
8.49.19
